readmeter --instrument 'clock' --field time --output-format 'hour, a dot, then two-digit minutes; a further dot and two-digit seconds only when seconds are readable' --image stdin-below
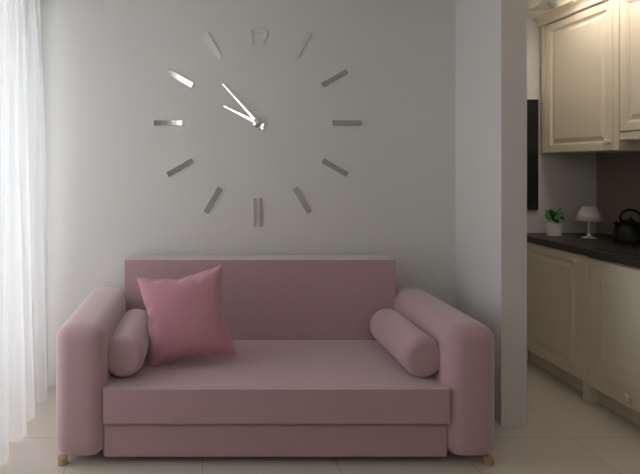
9.53
